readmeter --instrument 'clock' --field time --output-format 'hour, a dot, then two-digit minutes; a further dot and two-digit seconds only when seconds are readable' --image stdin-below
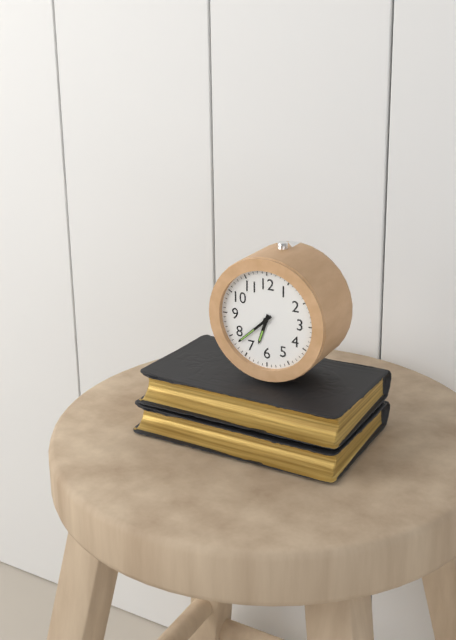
6.38
